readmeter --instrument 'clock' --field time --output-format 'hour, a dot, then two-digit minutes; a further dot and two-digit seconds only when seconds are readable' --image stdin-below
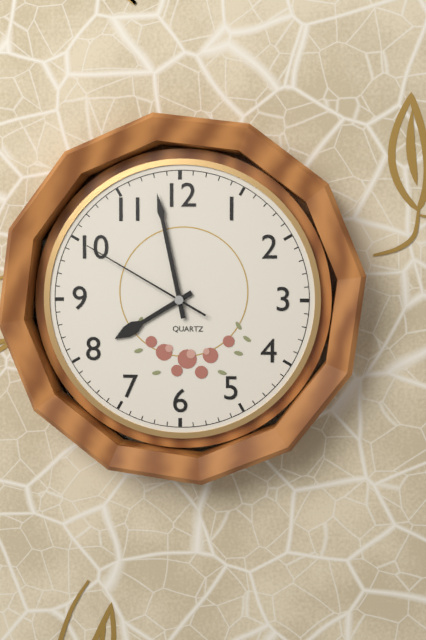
7.58.50
